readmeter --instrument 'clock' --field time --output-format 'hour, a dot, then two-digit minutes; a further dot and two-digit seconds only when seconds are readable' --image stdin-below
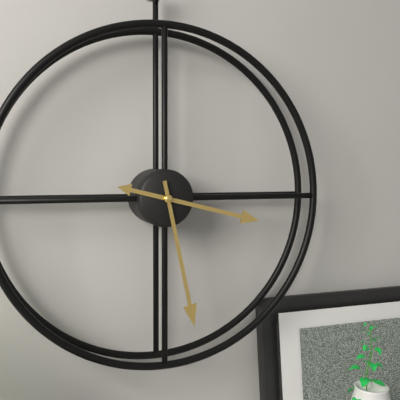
3.28
